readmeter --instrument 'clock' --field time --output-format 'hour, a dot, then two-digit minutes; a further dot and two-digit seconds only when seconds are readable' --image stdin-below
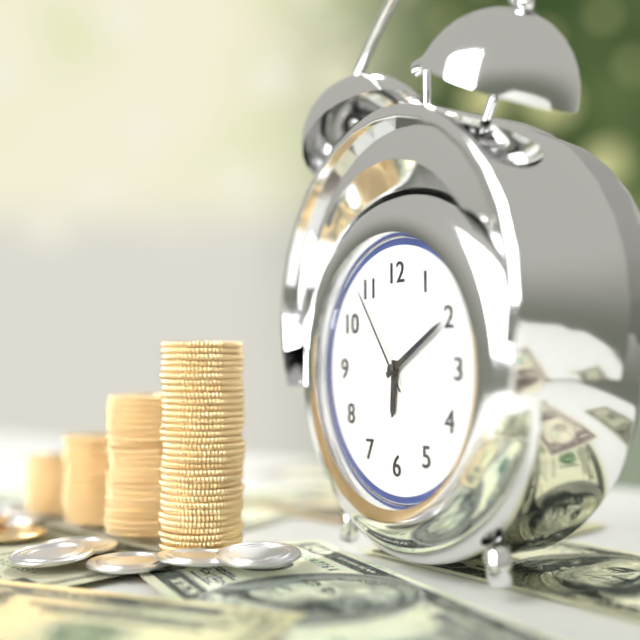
6.10.54
